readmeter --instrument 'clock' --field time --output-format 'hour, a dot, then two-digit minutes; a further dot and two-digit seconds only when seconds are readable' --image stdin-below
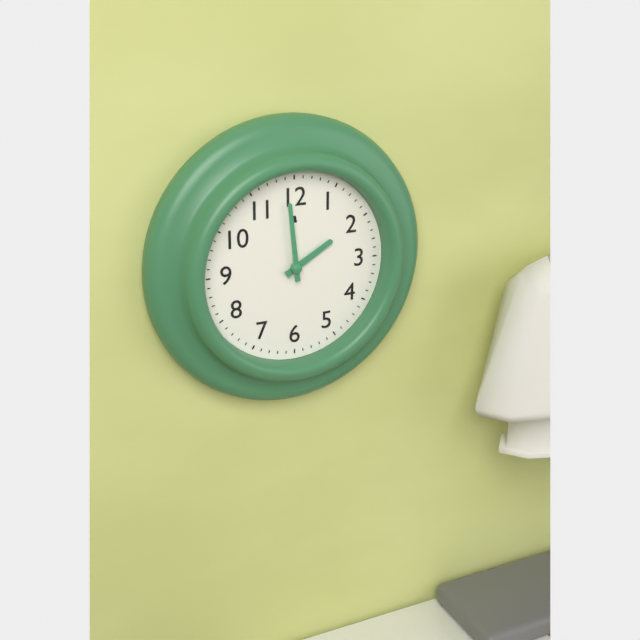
1.59
